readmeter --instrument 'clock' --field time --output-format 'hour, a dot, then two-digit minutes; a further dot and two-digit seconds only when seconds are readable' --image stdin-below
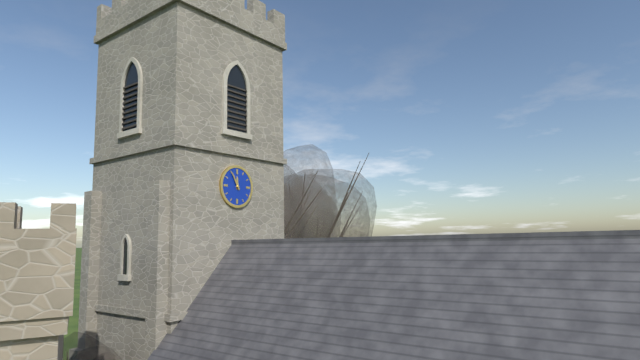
11.55
